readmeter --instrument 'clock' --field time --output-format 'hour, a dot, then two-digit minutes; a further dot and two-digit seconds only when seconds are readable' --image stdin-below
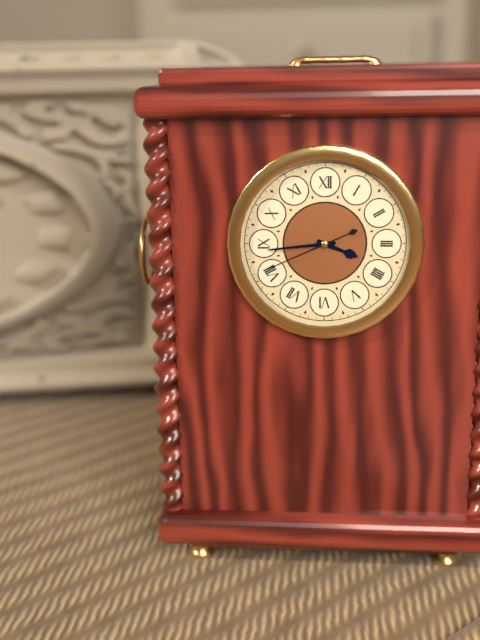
3.44.41
